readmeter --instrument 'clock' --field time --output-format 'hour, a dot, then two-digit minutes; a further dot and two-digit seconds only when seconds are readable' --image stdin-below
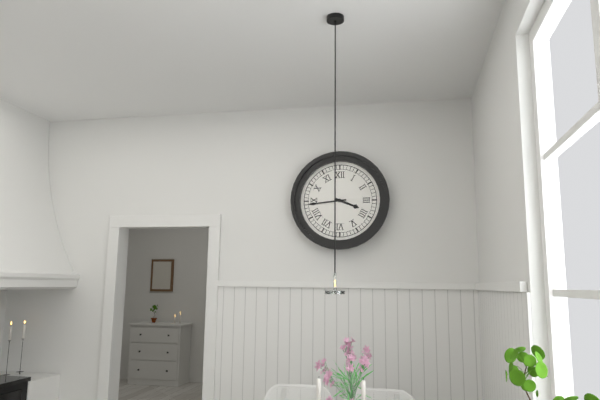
3.44
